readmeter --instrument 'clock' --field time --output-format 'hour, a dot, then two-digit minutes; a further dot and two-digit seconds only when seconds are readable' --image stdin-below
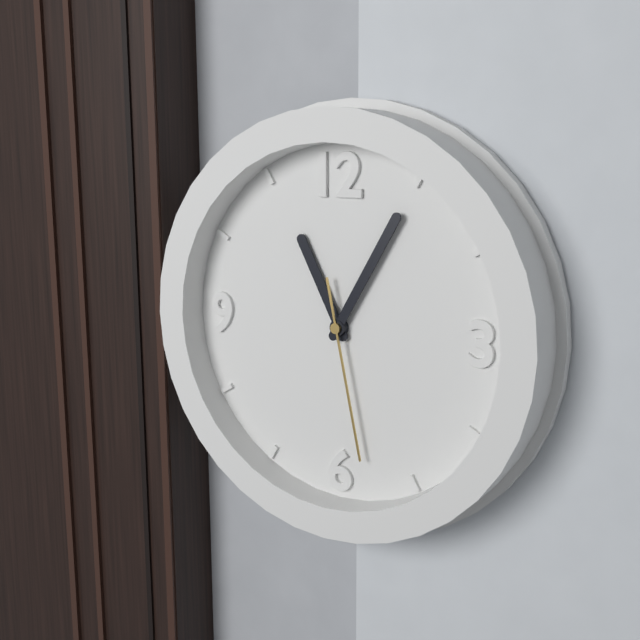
11.05.28
